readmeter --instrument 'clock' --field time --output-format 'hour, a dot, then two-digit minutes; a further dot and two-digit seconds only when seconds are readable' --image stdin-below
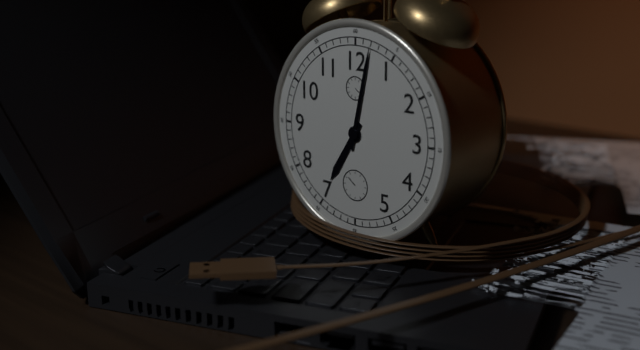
7.02
